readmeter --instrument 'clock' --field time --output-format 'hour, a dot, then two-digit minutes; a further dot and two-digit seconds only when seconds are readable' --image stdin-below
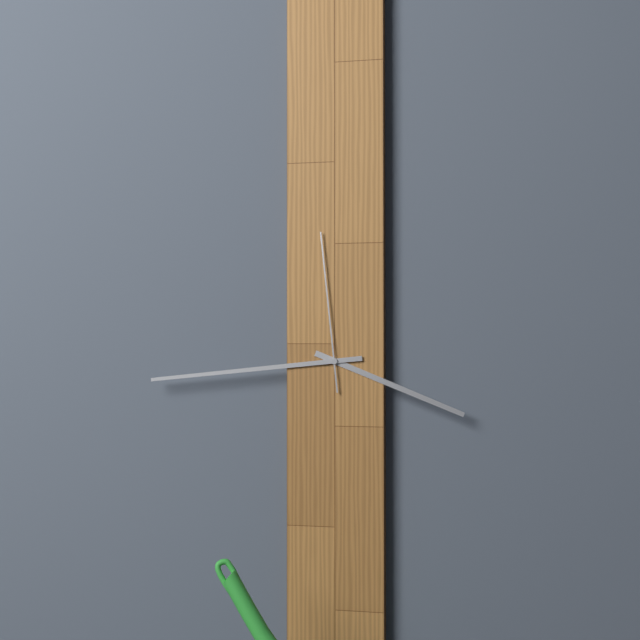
3.44.59
